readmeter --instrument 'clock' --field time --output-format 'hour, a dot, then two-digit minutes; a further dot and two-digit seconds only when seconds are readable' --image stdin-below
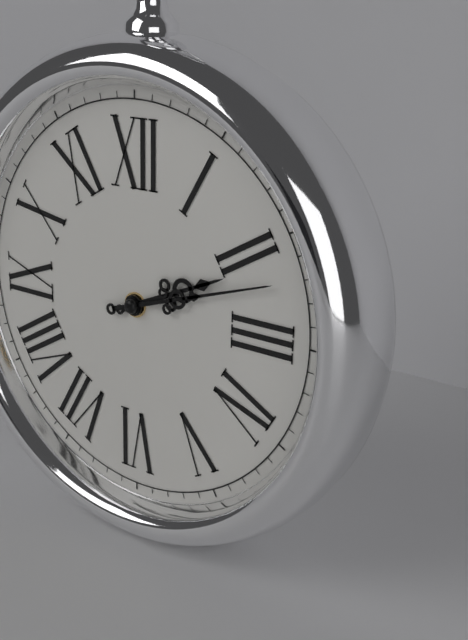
2.12
